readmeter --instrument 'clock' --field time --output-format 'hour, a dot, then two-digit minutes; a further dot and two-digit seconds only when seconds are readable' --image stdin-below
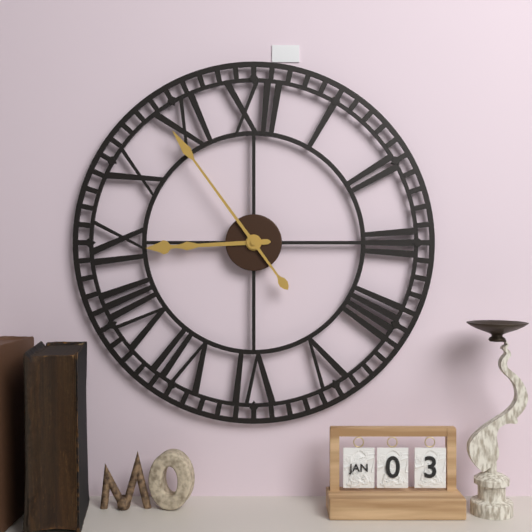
8.54
